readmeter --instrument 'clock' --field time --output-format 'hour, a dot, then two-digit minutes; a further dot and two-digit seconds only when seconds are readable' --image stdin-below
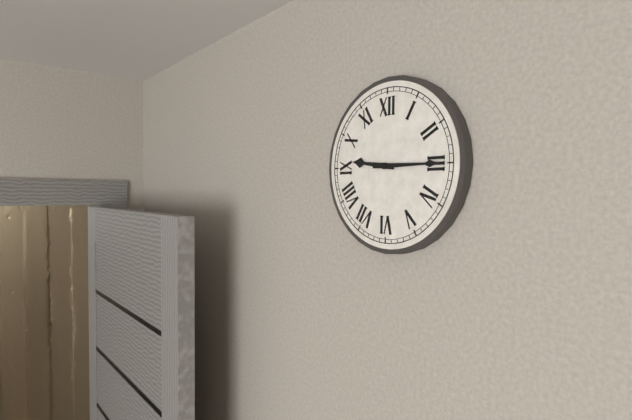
9.15
